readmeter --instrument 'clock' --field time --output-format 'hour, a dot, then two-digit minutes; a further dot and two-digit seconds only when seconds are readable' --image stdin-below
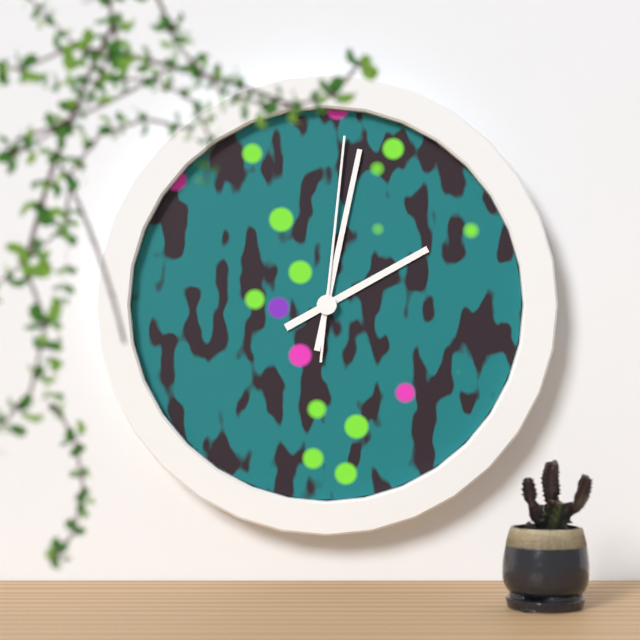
2.02.01
